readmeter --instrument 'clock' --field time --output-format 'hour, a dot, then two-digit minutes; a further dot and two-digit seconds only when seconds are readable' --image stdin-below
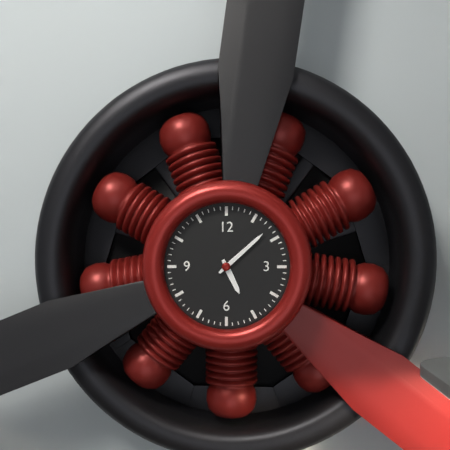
5.08
